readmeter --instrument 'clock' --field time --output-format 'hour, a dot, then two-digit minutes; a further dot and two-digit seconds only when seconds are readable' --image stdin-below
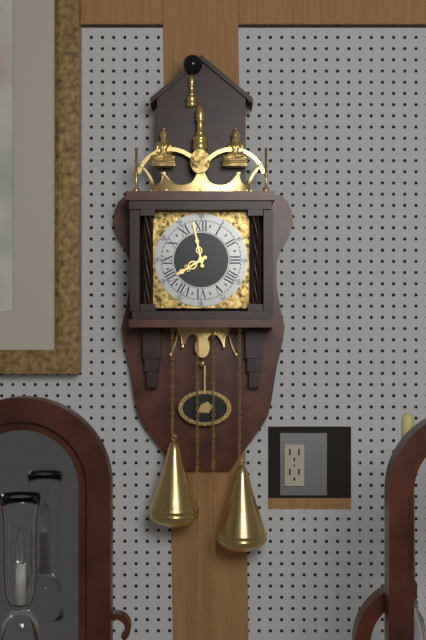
7.58
